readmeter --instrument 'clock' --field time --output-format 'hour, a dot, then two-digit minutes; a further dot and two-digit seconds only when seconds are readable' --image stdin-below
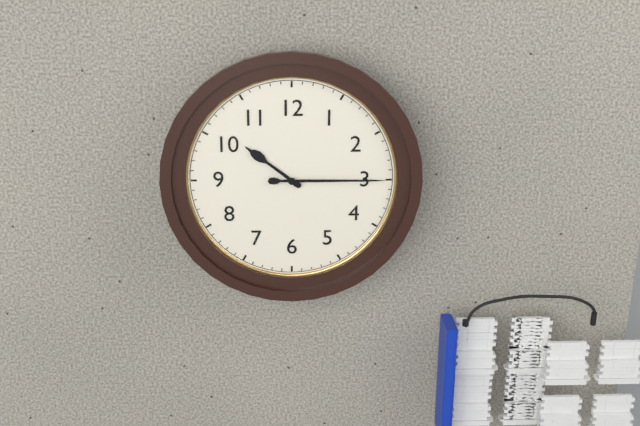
10.15
